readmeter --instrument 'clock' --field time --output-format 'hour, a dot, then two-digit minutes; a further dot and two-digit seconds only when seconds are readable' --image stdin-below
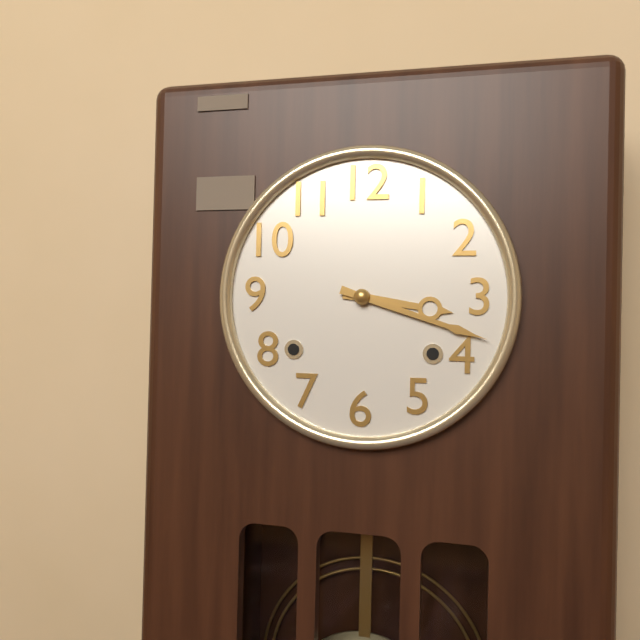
3.18
